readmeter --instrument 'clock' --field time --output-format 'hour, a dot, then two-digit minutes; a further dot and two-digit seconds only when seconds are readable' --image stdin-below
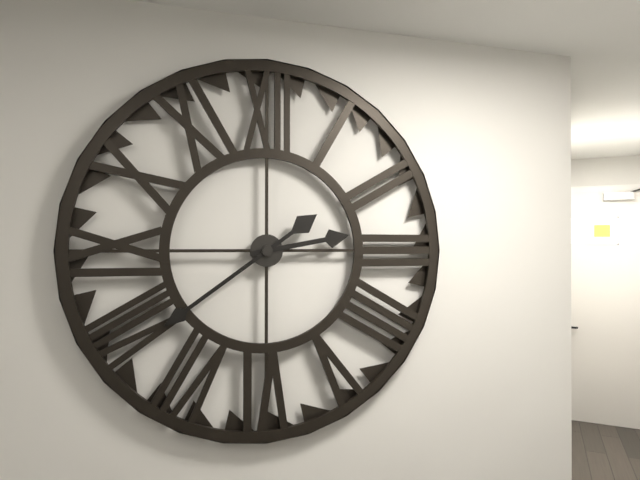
2.39
